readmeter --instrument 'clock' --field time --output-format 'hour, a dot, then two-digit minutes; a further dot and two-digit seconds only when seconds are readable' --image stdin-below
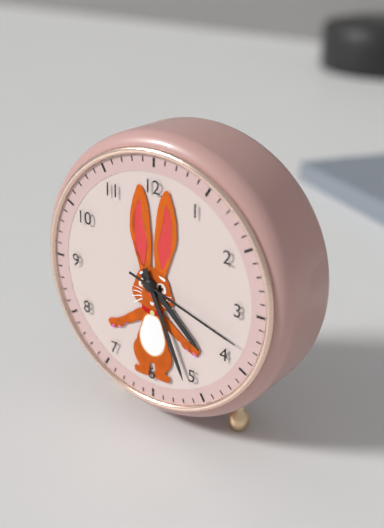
4.26.18
